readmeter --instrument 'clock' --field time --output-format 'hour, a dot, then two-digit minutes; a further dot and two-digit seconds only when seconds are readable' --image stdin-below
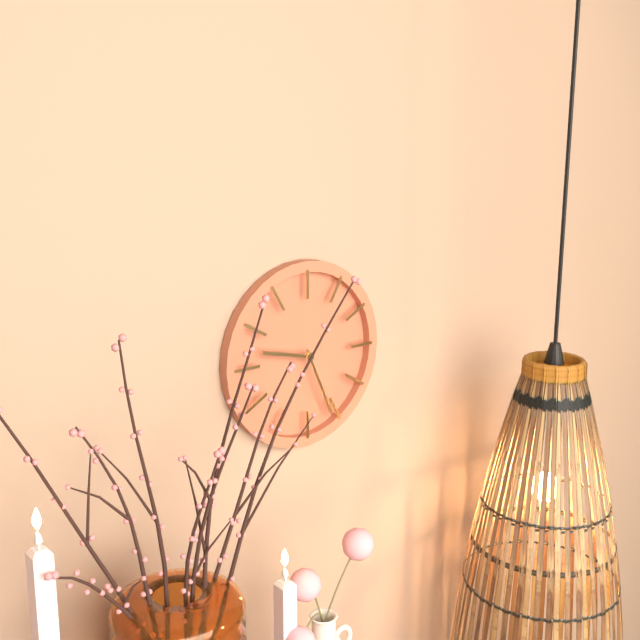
9.26
